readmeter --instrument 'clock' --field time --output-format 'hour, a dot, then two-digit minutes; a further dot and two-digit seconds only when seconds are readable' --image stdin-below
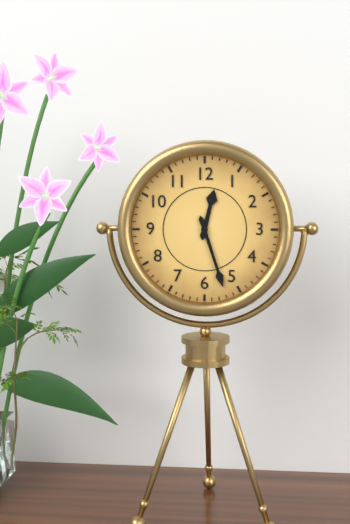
12.27
